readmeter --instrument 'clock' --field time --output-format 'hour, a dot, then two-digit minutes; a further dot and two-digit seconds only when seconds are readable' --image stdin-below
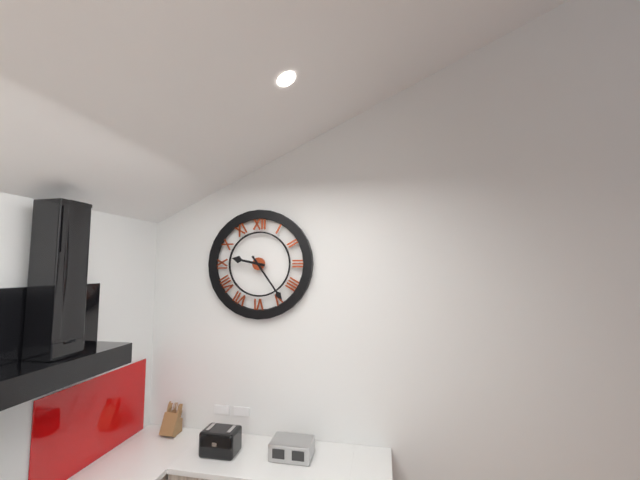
9.24
